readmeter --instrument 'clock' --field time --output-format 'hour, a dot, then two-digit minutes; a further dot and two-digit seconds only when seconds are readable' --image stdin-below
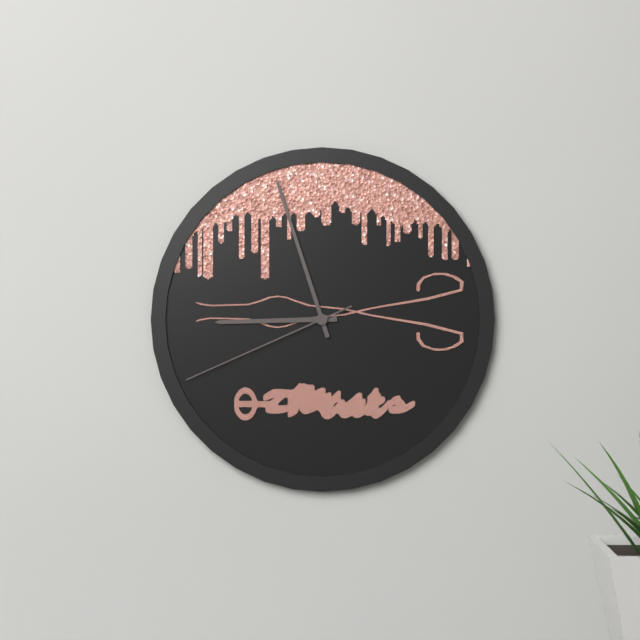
8.57.41
